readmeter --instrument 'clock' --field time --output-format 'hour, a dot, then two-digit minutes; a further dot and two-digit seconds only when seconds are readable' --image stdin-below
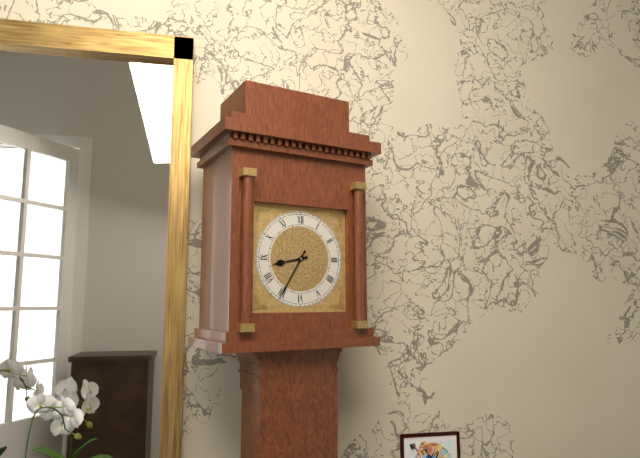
8.35
